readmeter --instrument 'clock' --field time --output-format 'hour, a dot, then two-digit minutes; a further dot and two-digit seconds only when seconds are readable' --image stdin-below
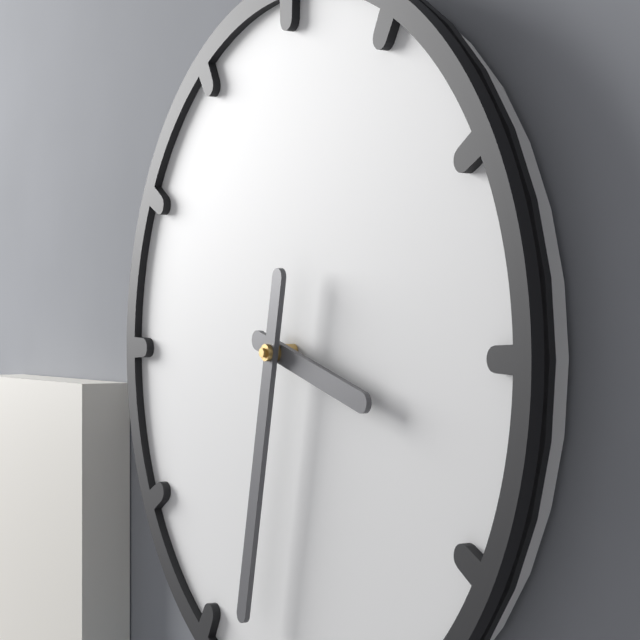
3.32
